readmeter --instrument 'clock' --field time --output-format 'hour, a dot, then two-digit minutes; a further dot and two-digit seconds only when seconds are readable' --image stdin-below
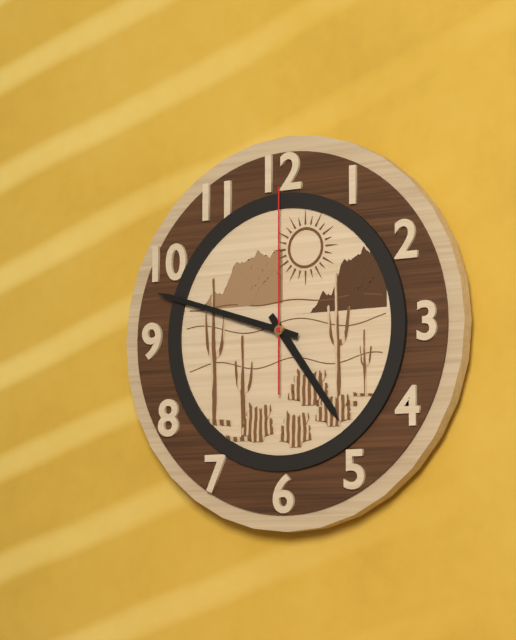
4.48.00
